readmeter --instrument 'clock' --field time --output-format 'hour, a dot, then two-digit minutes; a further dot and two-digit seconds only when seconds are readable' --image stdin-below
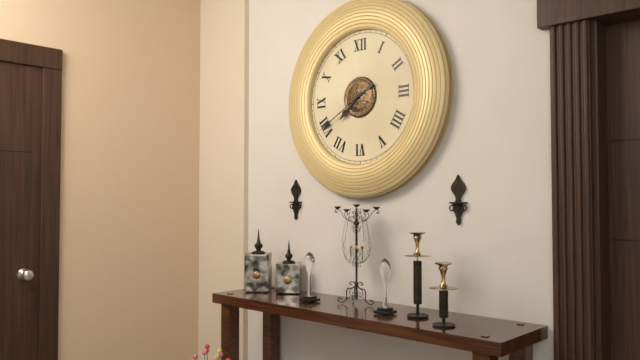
7.40
